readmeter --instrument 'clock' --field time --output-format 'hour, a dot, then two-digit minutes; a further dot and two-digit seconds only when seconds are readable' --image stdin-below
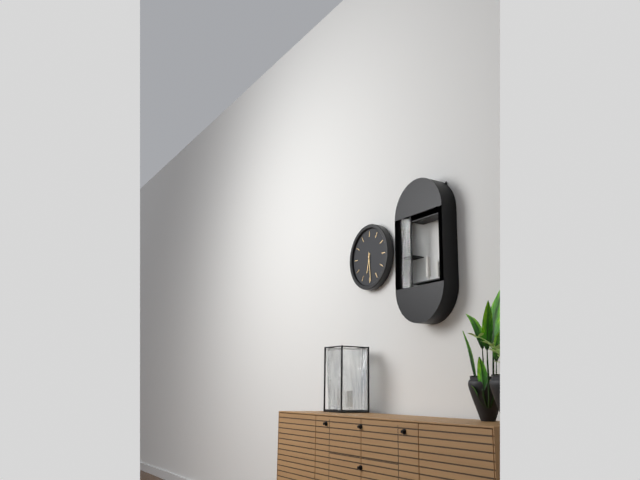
6.29
